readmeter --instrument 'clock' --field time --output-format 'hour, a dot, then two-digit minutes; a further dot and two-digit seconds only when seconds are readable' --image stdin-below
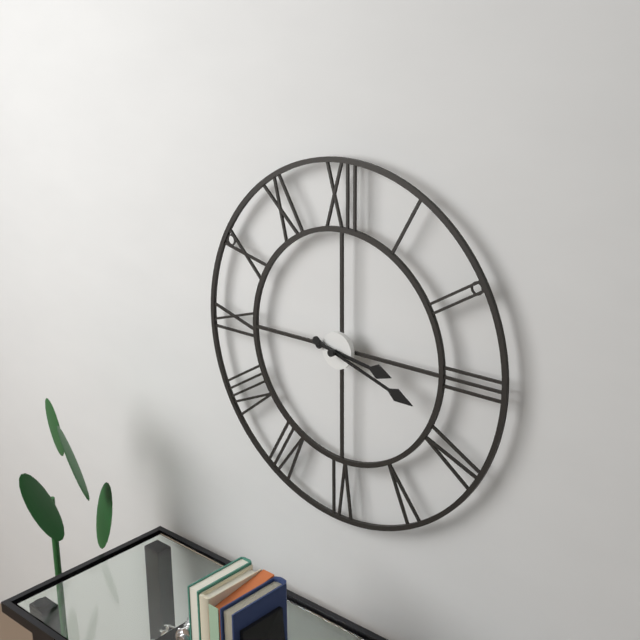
3.18
